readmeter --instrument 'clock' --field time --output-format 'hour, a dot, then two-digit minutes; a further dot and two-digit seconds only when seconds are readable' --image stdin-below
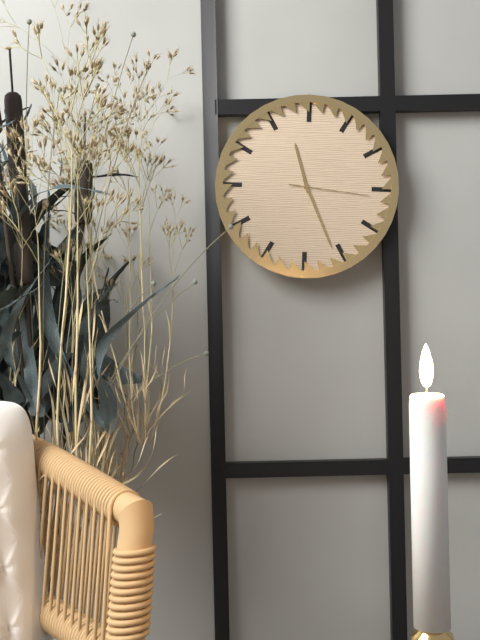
11.26.16
